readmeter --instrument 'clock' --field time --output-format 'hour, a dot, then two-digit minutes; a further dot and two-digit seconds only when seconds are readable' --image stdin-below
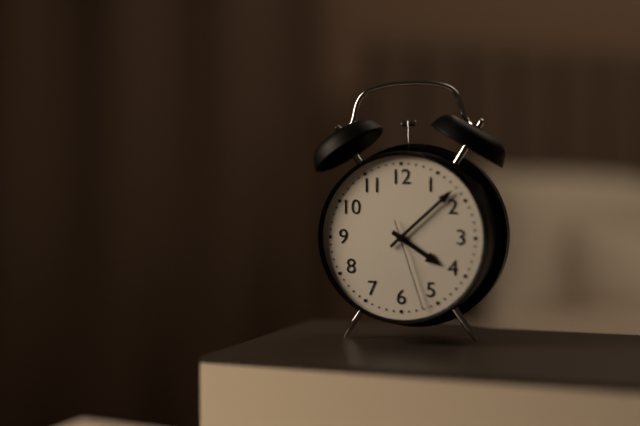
4.08.27
